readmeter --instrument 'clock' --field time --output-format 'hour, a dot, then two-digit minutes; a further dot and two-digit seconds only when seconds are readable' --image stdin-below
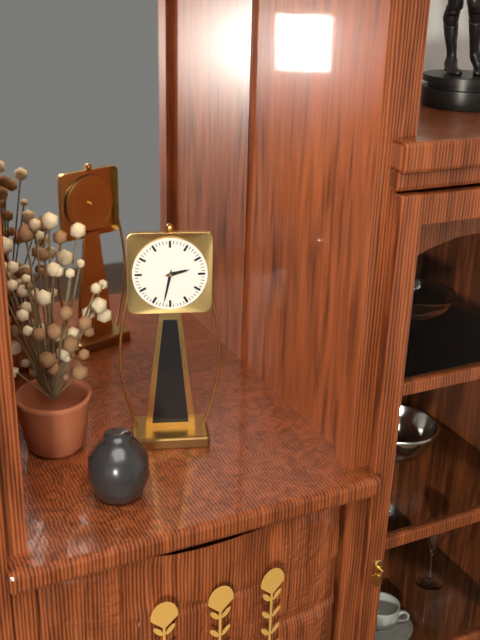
2.32
